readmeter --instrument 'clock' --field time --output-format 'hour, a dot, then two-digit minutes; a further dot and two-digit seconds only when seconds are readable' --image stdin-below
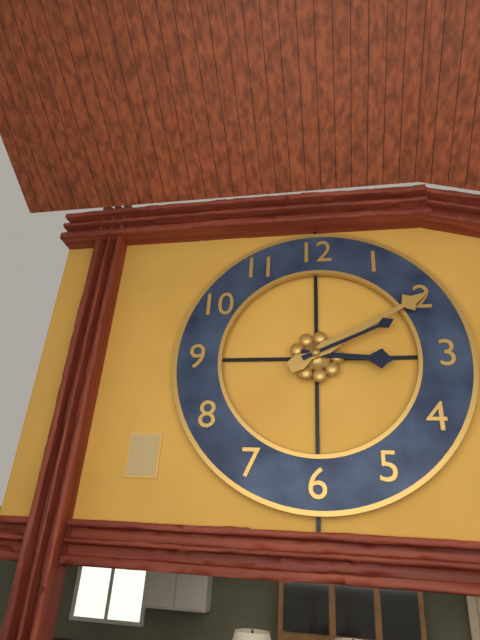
3.10.11
